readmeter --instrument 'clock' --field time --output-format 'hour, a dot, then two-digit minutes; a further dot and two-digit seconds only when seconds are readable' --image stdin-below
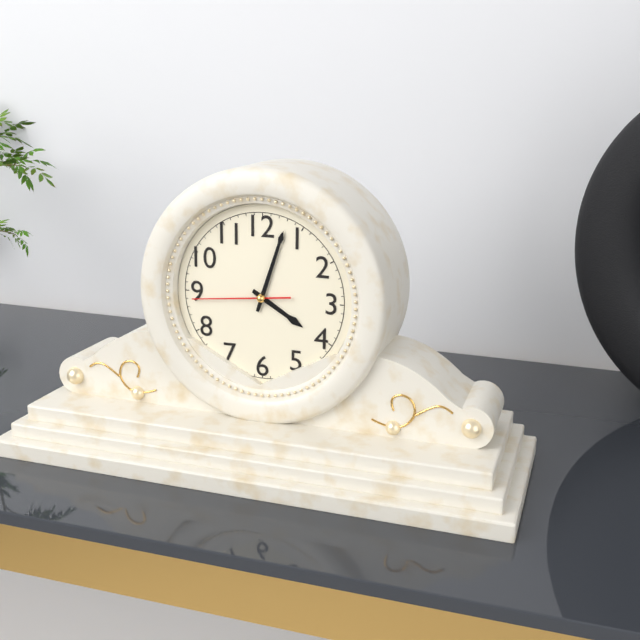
4.03.44
